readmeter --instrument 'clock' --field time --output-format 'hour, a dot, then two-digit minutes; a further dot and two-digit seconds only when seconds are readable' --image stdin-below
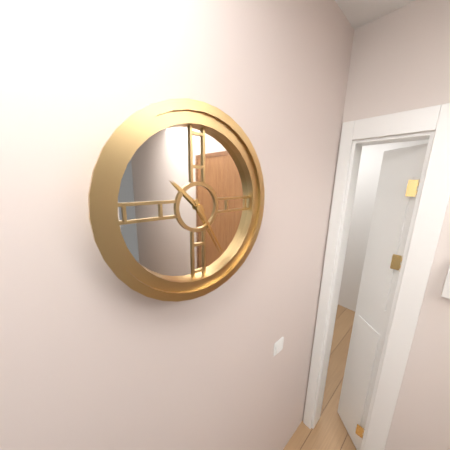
10.25
